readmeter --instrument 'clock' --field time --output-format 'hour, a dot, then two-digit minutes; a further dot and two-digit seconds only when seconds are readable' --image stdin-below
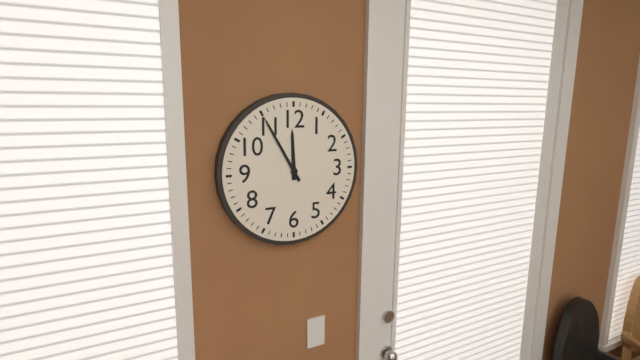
11.55
